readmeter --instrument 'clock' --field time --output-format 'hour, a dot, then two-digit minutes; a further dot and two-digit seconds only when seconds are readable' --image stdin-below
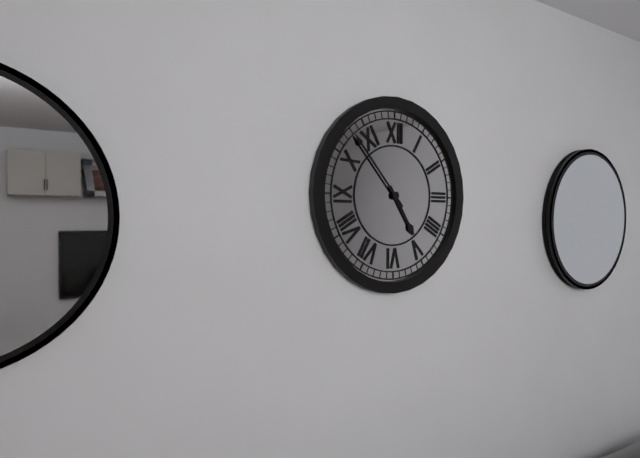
4.53
